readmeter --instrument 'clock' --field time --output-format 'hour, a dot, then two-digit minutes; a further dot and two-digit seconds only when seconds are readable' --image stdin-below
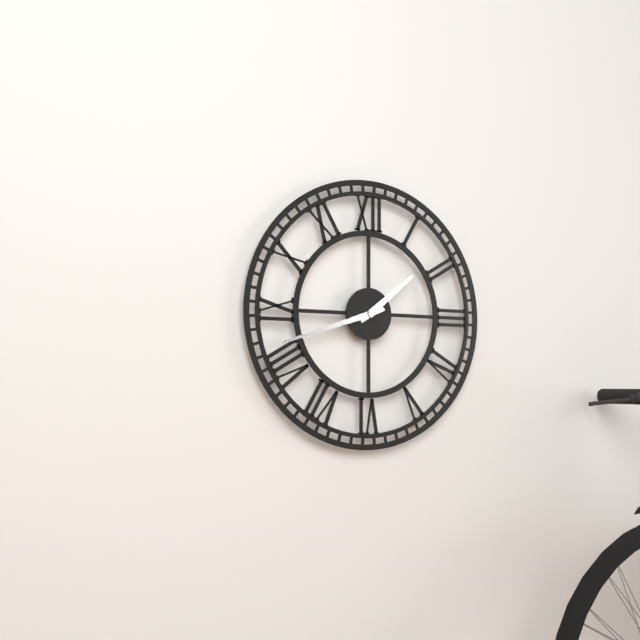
1.42
